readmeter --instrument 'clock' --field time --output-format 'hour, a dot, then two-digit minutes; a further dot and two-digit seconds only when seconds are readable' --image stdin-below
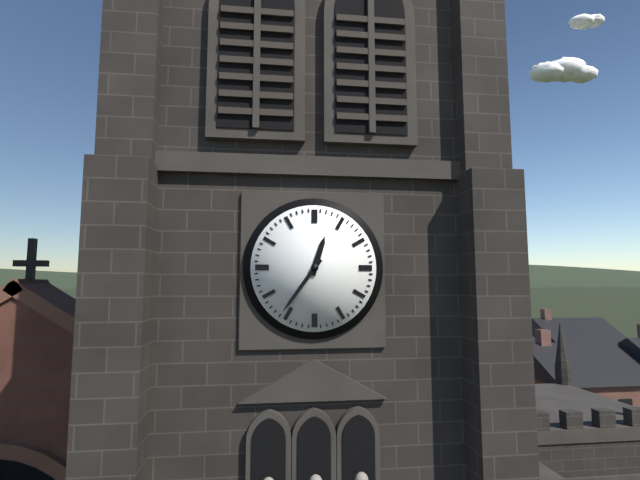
12.36
